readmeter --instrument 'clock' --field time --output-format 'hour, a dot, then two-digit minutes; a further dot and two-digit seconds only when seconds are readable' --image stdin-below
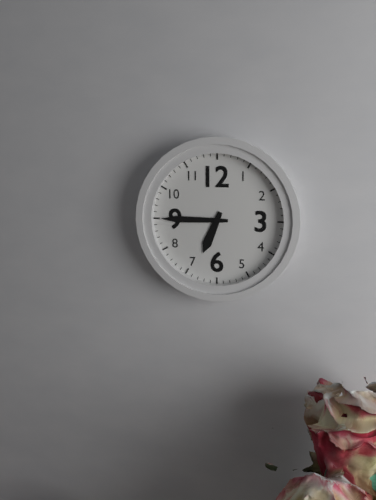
6.45
